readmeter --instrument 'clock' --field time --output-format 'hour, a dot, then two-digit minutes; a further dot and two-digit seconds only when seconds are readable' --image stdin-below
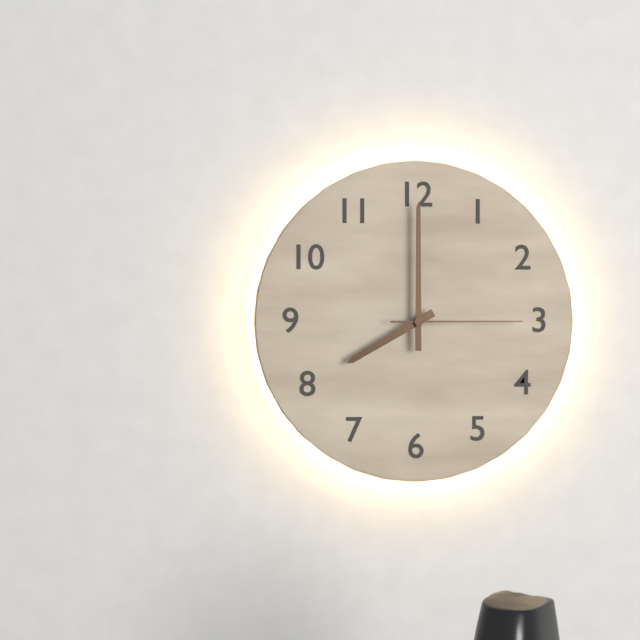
8.00.15
